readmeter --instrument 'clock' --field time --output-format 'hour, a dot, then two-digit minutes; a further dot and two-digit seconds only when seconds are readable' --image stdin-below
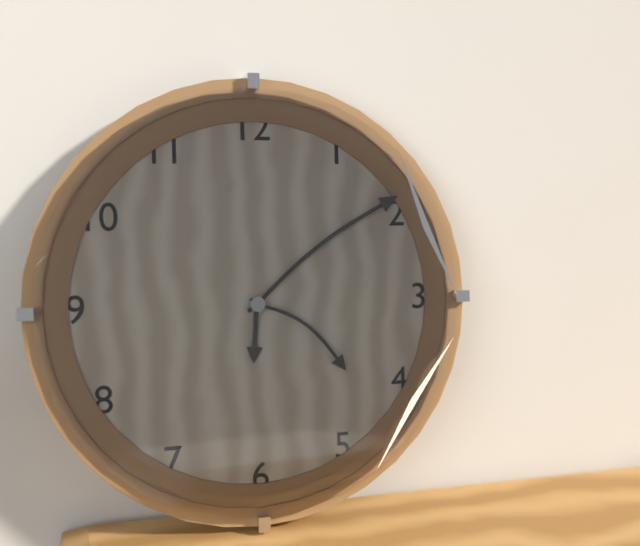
6.09.21
